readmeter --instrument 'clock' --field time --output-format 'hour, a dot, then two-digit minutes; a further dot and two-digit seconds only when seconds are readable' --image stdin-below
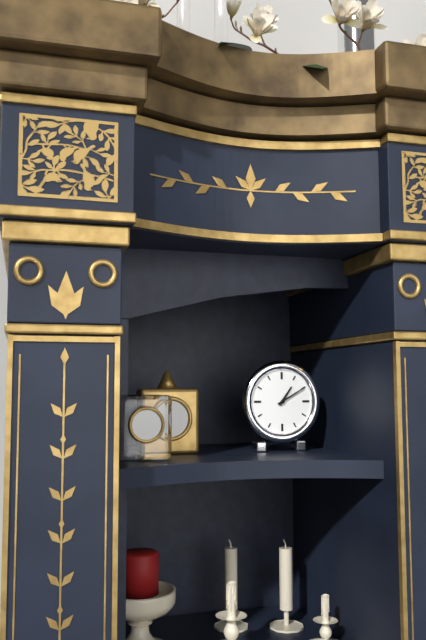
1.10
